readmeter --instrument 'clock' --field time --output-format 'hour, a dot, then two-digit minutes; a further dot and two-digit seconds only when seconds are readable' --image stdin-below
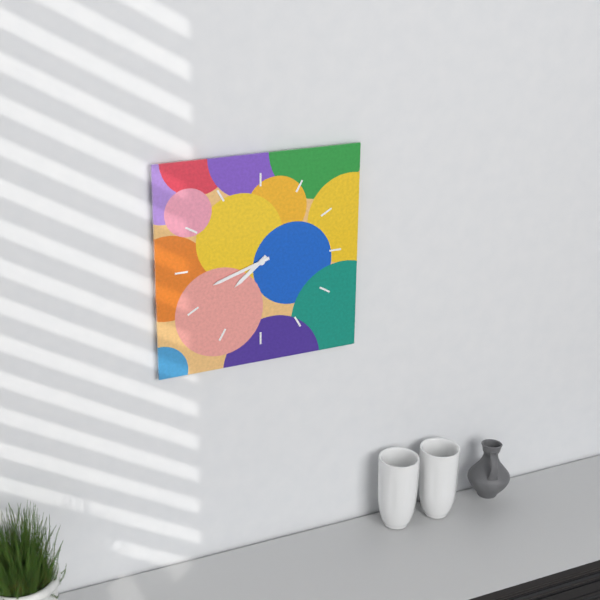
7.42
